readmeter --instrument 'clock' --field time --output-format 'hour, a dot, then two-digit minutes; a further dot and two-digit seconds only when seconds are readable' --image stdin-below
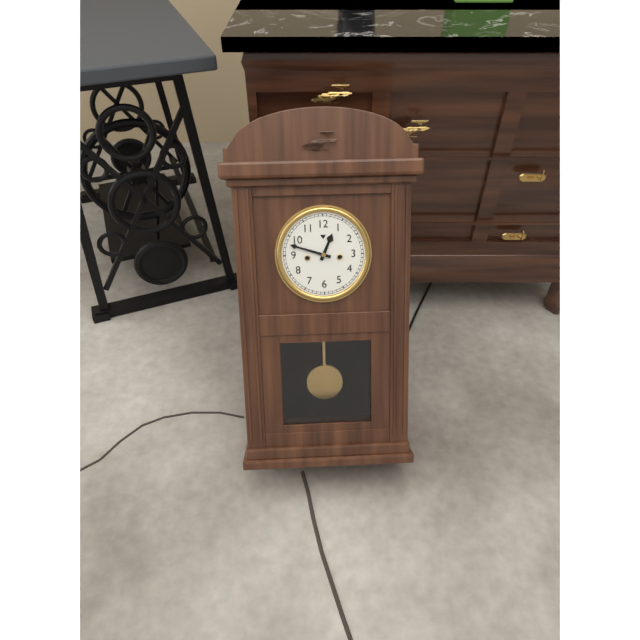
12.48
